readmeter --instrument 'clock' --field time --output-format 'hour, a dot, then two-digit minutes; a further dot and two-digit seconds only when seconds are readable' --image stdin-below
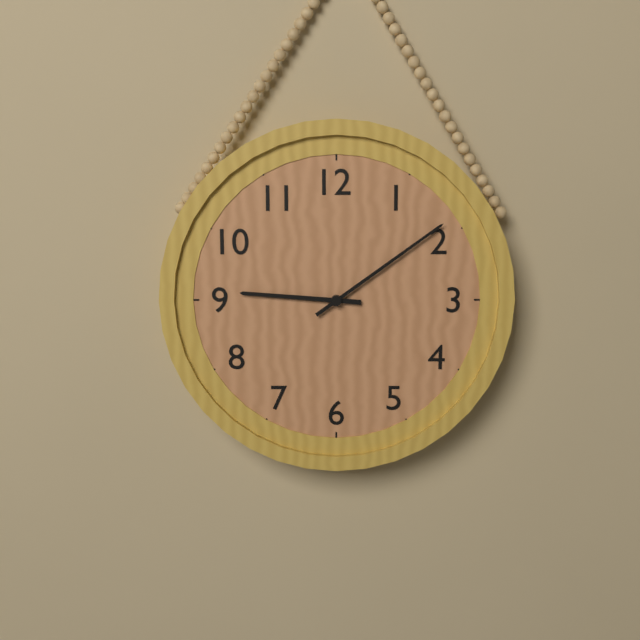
9.09
